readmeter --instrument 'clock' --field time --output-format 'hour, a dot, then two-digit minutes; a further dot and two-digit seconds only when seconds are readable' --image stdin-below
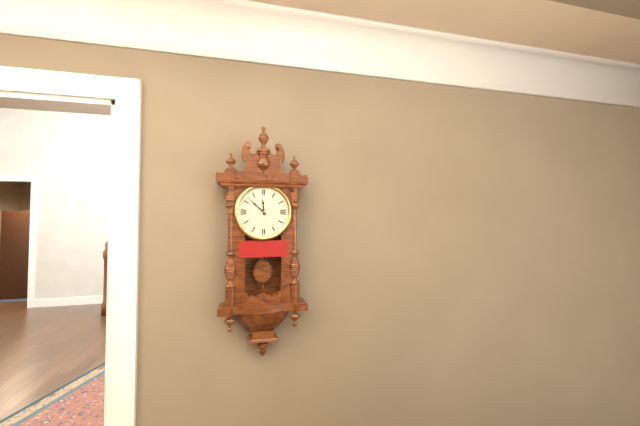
11.52
